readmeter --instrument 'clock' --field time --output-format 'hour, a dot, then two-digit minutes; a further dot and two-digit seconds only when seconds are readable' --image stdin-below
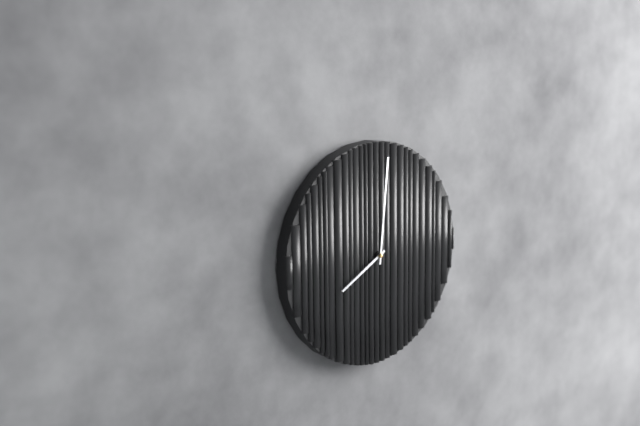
8.01
